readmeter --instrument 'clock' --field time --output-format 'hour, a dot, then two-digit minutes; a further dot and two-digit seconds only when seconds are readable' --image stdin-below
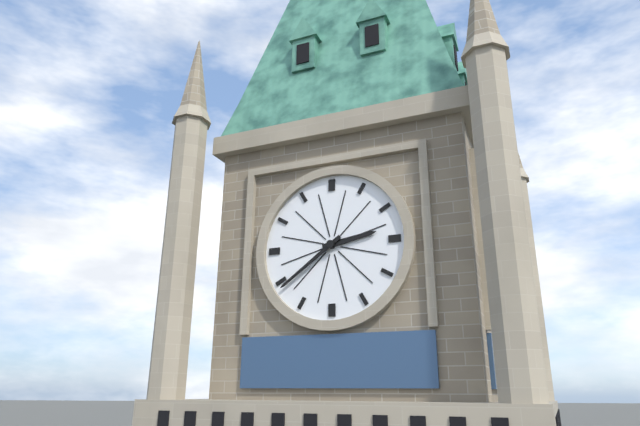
2.39
